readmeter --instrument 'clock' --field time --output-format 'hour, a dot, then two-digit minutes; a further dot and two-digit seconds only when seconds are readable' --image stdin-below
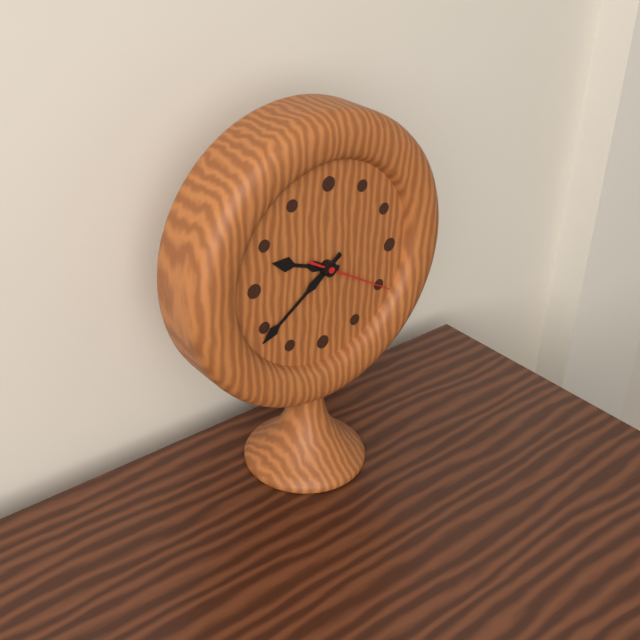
9.39.20
